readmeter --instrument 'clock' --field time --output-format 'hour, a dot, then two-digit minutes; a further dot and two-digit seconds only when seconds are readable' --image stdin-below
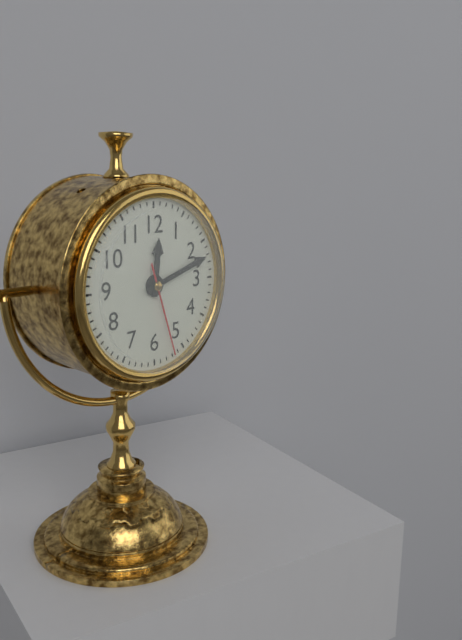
12.12.27
